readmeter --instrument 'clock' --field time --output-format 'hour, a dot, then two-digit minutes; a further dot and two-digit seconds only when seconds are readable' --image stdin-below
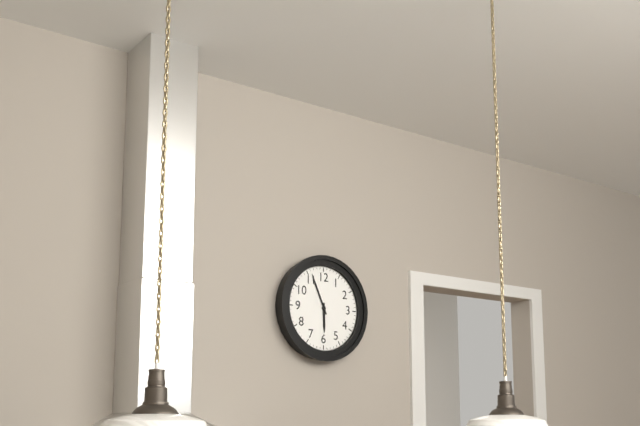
5.56
